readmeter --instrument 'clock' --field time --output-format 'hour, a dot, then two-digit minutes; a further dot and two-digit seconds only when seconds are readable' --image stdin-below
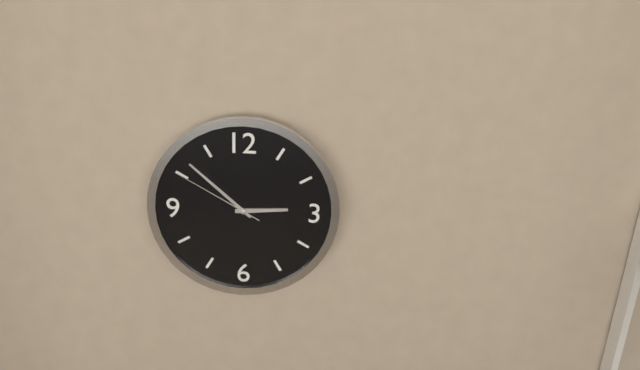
2.52.50
